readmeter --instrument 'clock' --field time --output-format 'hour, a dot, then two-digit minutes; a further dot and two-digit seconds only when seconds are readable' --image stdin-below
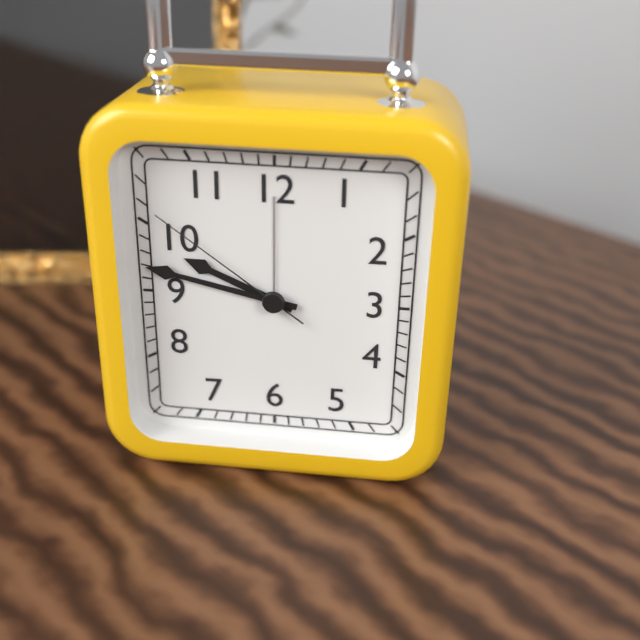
9.47.51
